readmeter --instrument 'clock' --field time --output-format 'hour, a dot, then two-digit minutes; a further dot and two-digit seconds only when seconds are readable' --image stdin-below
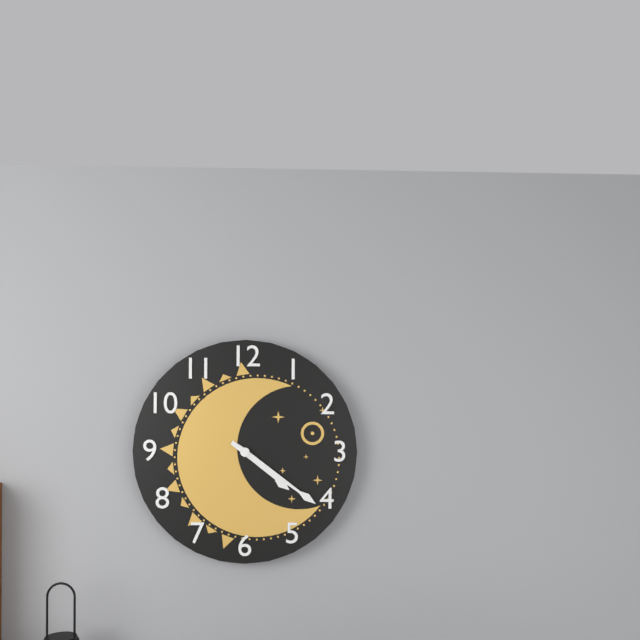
4.21
